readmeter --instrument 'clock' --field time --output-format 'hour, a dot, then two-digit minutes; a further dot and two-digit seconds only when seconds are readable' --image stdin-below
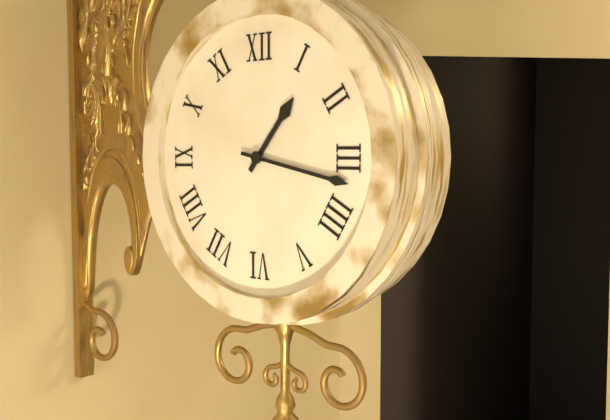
1.17
